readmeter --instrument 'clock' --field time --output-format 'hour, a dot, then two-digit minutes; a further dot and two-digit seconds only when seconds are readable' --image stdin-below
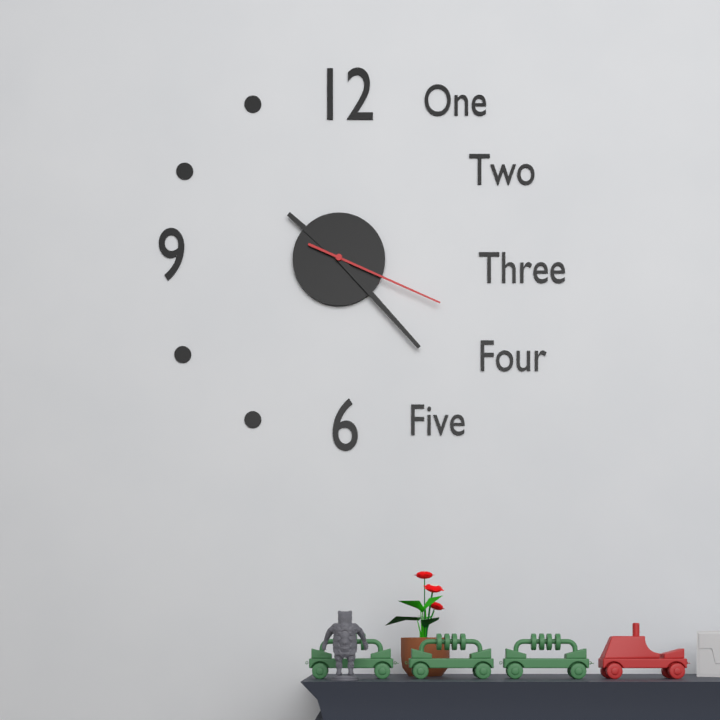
10.23.19
